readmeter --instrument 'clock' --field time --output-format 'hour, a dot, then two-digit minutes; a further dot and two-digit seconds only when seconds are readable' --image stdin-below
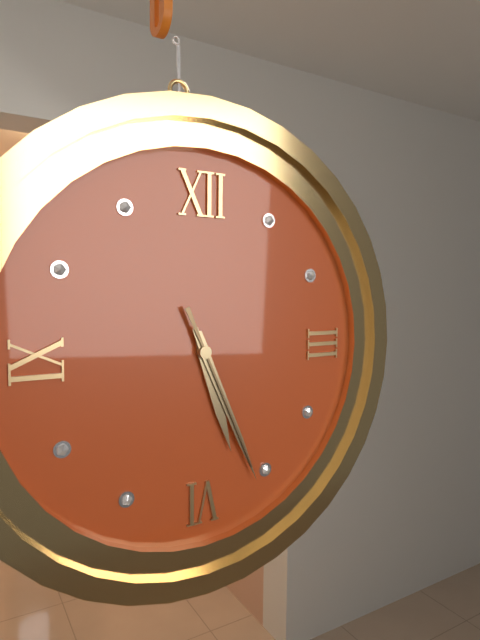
5.26.26
